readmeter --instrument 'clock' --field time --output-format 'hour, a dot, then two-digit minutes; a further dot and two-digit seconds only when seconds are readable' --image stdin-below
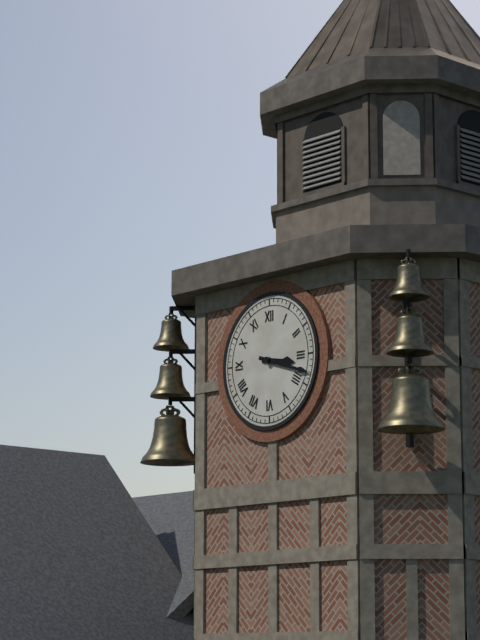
3.18
